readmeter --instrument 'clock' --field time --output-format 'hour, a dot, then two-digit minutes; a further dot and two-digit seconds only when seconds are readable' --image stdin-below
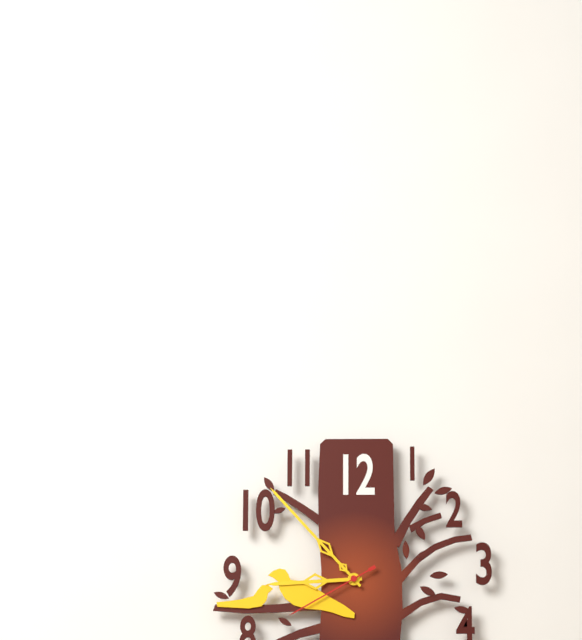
8.53.40
